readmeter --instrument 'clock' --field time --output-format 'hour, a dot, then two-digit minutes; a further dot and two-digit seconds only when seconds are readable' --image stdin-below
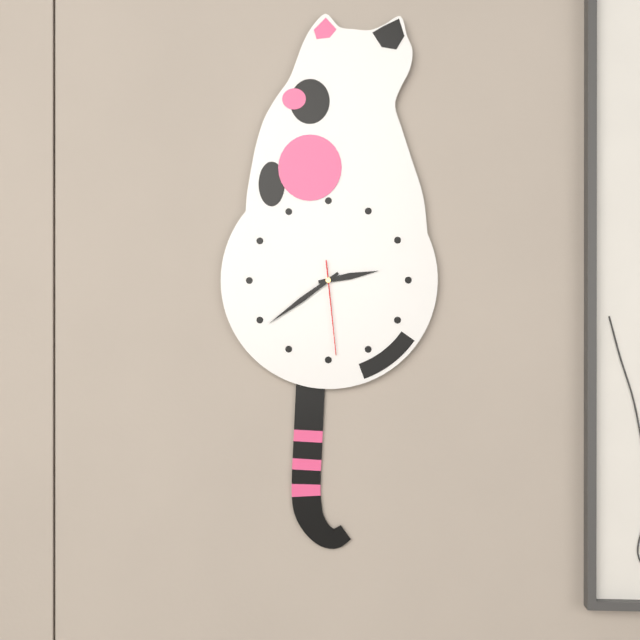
2.39.29
